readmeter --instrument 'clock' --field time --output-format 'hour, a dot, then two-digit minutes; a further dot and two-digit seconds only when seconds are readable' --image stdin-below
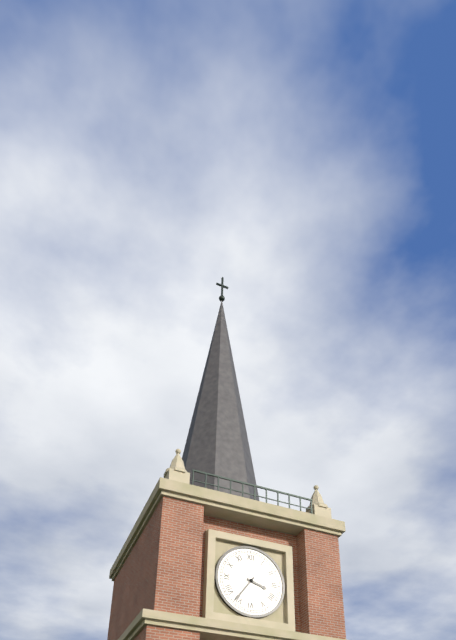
3.36
